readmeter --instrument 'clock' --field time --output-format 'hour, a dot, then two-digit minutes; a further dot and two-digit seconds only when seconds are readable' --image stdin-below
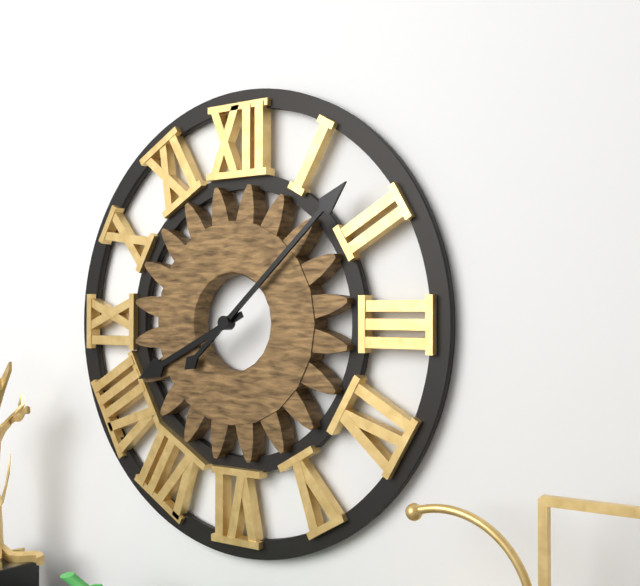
8.08
